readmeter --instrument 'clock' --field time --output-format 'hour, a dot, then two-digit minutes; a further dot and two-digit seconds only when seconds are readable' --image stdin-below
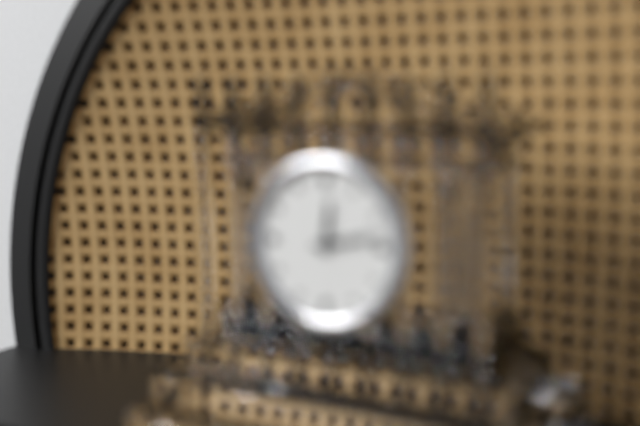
12.13
